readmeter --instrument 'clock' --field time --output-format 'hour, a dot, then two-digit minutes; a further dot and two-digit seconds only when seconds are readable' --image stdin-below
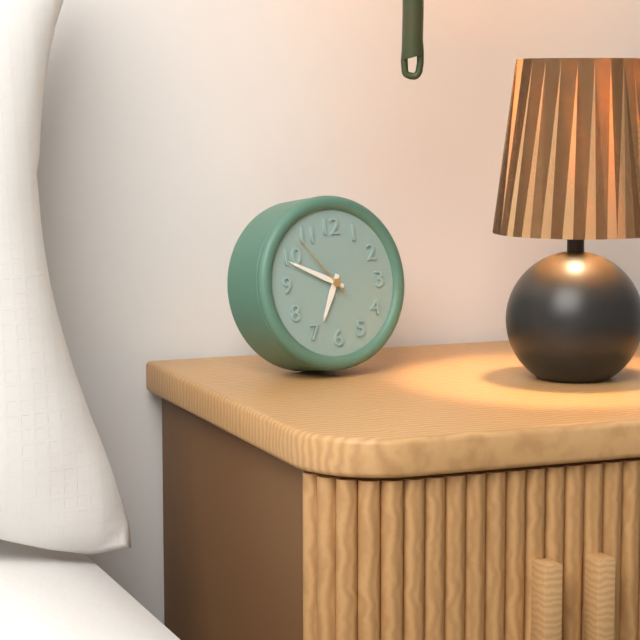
6.49.53
